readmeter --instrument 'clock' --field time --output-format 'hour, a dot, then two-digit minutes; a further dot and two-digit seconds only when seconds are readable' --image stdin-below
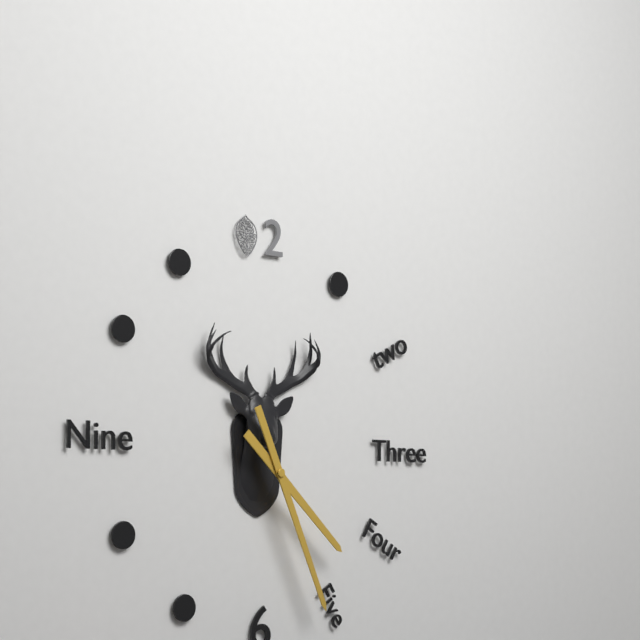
4.26
